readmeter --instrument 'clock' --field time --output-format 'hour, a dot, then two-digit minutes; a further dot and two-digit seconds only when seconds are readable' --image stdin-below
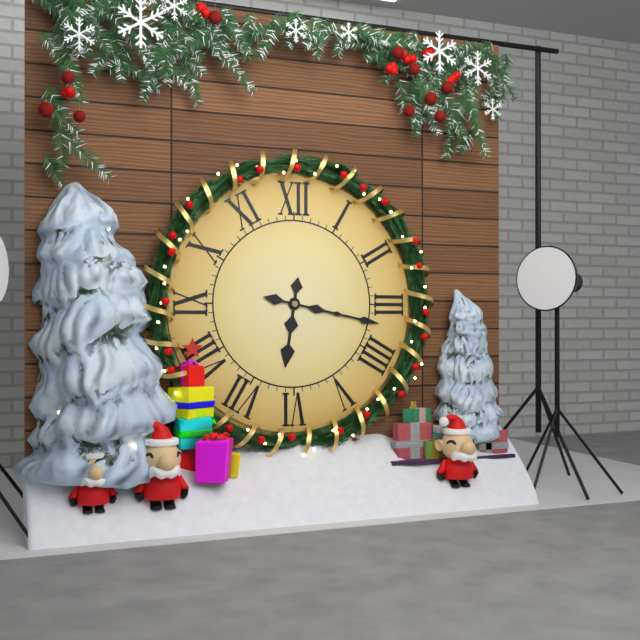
6.17
